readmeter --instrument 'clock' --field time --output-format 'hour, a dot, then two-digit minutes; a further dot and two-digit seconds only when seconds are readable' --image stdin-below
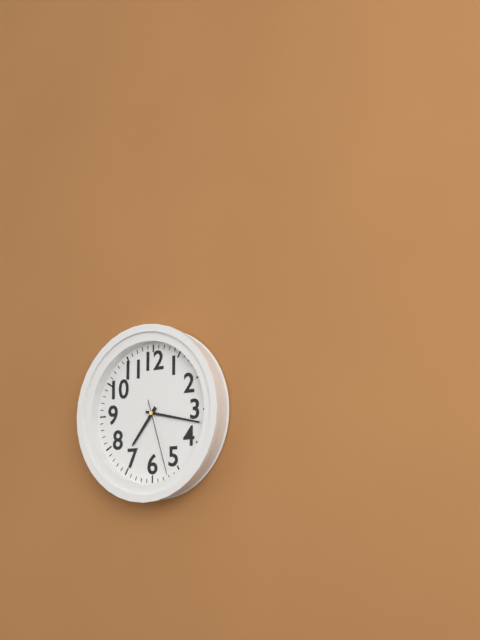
7.17.27
